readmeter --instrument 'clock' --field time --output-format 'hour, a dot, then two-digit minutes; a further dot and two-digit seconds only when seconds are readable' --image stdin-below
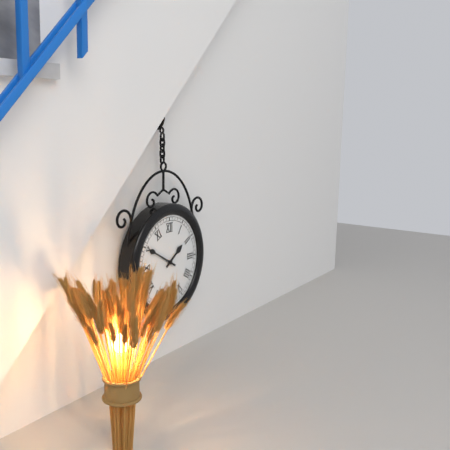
1.50
